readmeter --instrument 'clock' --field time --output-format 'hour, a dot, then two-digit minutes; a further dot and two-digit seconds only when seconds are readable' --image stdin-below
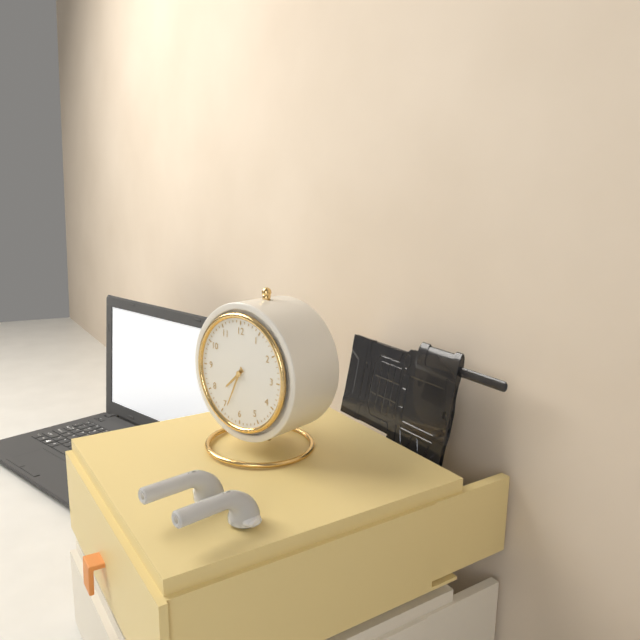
7.34
